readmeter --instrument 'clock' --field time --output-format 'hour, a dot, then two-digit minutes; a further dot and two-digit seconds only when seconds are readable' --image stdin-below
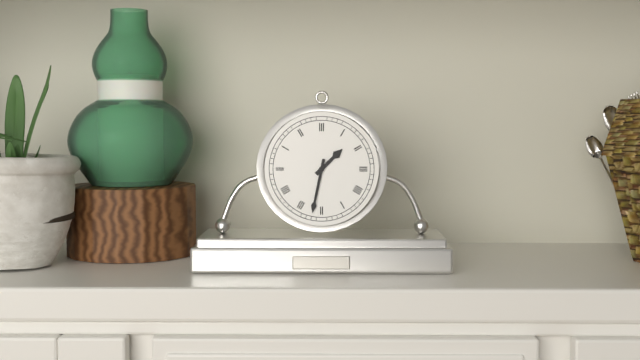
1.32
